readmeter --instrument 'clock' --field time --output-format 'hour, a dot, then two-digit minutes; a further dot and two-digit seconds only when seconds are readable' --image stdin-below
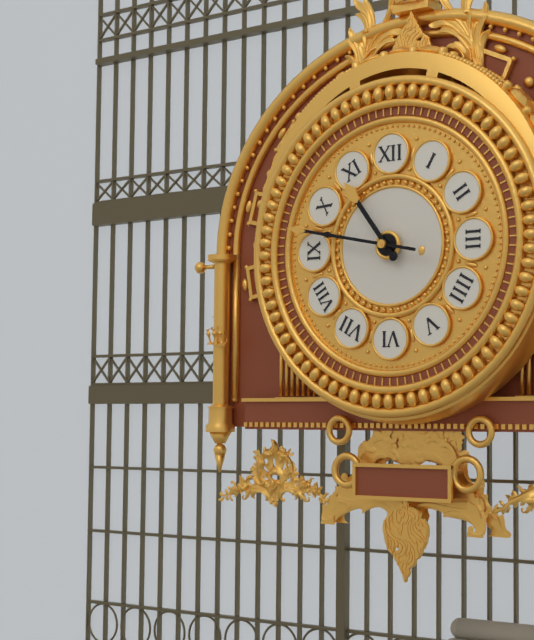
10.47
